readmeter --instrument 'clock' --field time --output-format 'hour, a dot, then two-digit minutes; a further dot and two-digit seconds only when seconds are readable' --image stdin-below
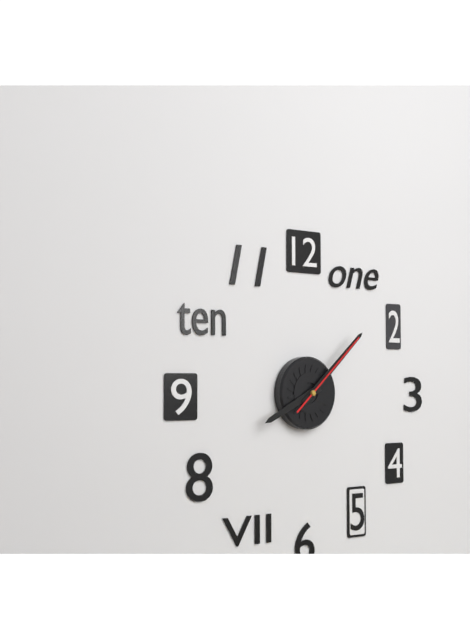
8.08.08
